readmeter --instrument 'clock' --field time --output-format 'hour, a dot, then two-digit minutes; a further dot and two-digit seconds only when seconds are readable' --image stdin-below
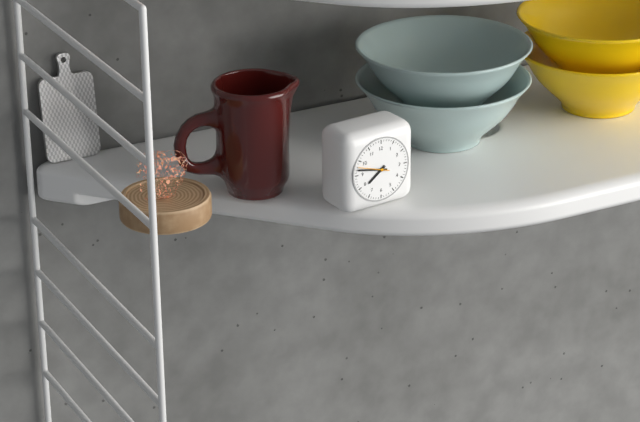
7.47
